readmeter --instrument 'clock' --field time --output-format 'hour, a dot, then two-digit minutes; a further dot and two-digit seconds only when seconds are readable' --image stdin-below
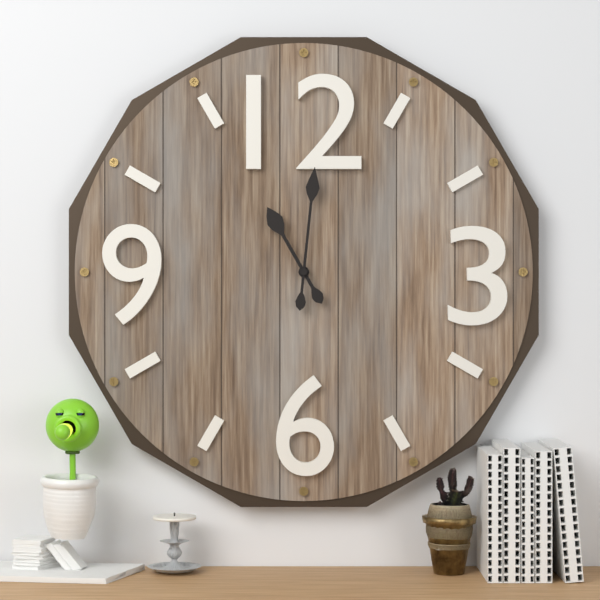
11.01
